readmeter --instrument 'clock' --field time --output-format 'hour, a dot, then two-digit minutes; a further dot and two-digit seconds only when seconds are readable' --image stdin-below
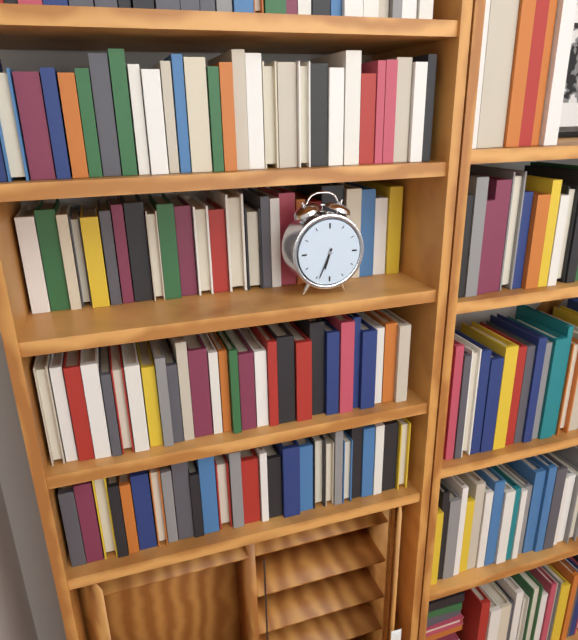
6.34
